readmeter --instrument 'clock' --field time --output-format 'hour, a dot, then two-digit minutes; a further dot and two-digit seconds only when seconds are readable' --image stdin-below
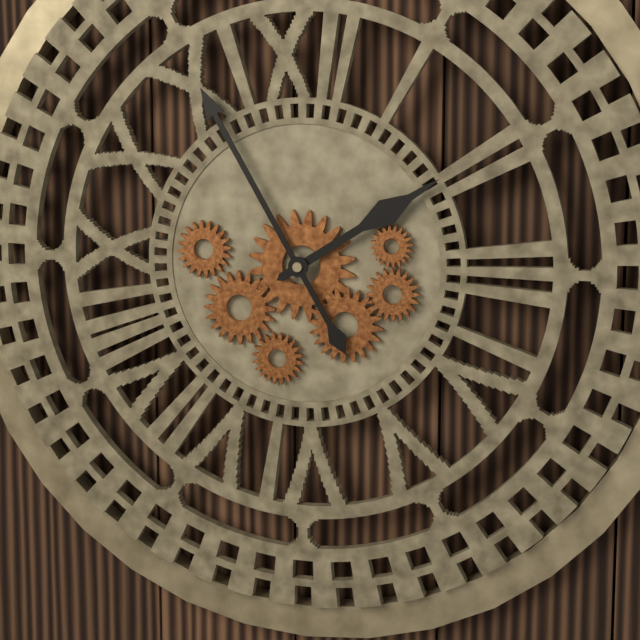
1.55
